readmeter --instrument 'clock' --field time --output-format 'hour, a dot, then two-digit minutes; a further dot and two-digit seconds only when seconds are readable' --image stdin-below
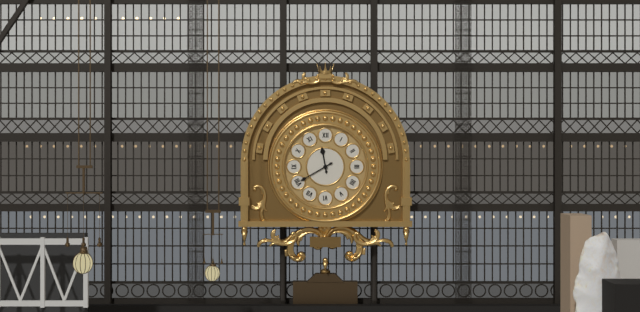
11.40
